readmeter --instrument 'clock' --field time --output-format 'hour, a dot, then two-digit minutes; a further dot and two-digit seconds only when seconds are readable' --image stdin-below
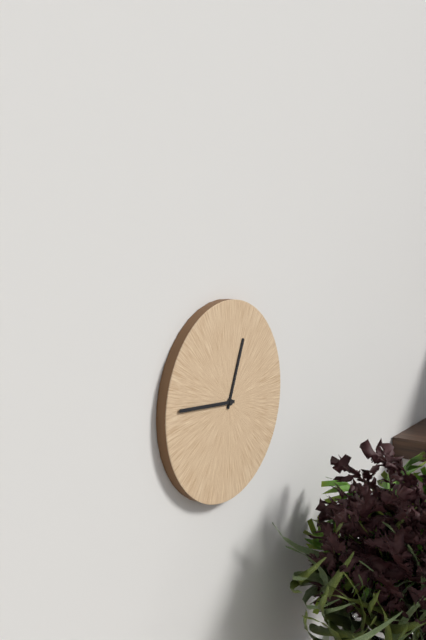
12.46
